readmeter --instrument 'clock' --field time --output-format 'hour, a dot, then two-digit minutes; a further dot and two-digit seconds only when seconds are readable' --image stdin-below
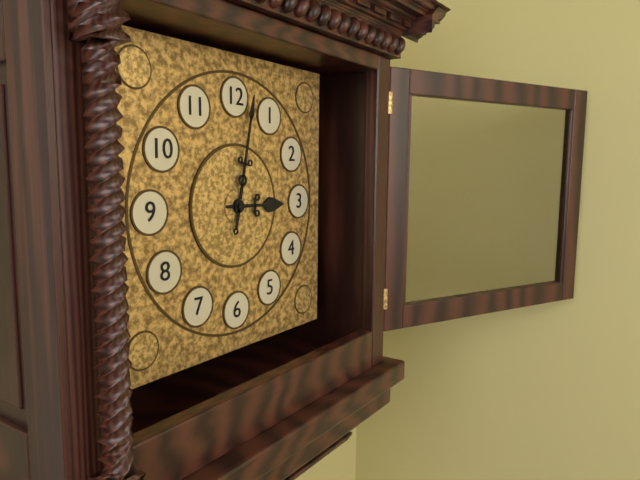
3.02
